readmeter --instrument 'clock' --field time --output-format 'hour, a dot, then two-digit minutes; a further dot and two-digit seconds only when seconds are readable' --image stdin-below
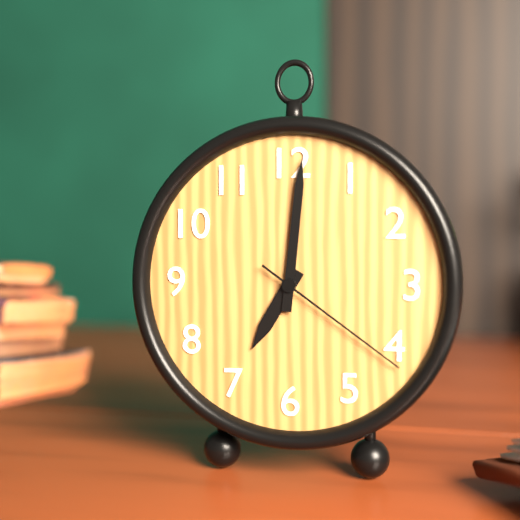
7.01.21
